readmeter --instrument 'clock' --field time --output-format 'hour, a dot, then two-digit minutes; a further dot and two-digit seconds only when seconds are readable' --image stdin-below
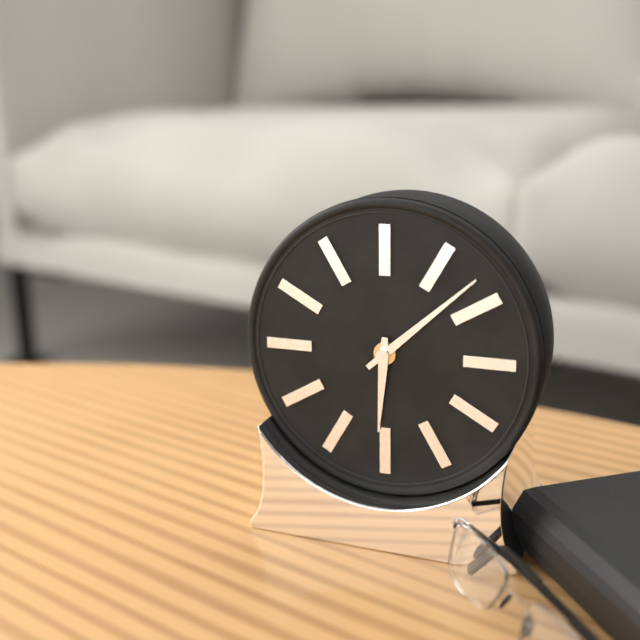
6.08
